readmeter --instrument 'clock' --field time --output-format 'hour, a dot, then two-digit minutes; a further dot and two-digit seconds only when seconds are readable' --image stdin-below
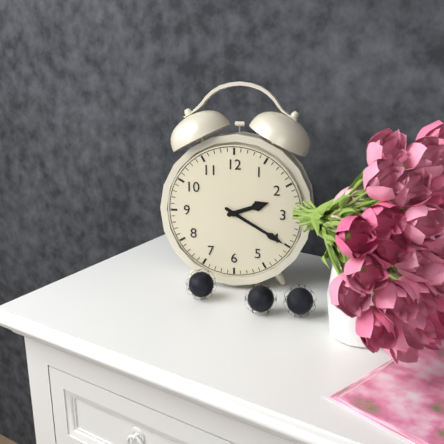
2.20
